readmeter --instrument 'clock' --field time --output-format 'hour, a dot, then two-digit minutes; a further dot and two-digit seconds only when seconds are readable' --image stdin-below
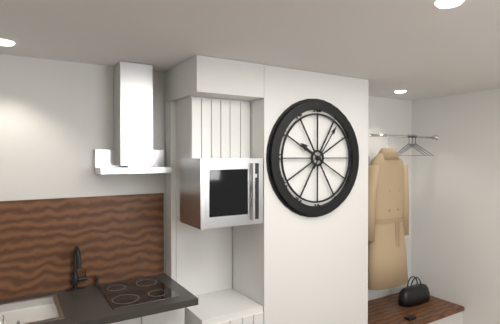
10.06
